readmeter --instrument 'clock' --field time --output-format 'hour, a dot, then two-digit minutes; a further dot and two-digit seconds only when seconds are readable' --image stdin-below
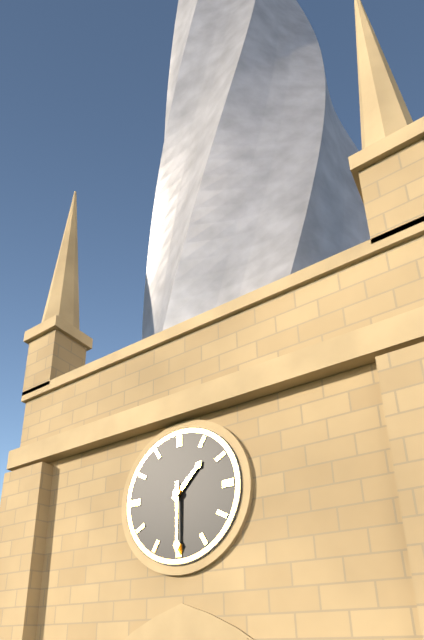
1.30
